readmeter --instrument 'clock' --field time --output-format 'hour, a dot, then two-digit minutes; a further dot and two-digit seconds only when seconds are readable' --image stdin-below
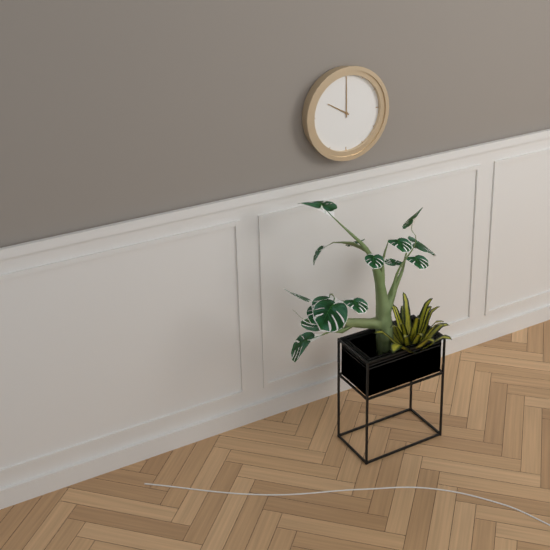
10.00
